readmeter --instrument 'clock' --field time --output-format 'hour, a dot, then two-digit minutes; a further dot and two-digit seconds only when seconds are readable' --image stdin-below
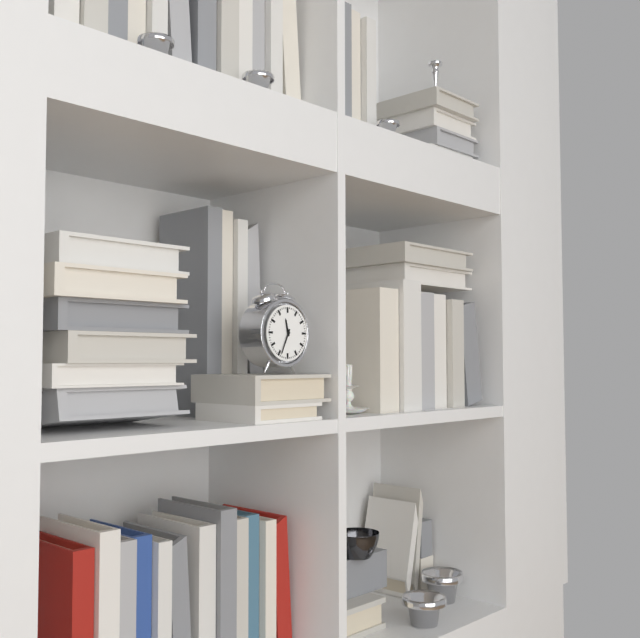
11.34
